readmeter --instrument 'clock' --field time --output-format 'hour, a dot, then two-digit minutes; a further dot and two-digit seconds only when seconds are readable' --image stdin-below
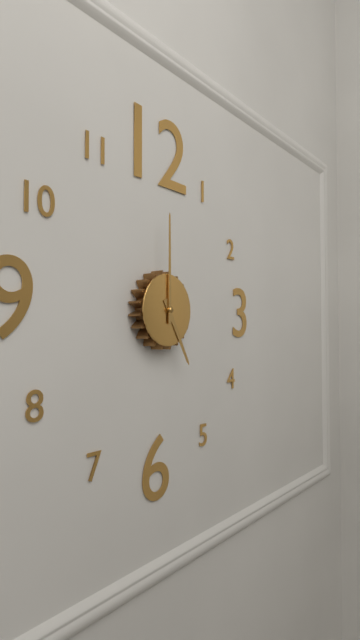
5.00
